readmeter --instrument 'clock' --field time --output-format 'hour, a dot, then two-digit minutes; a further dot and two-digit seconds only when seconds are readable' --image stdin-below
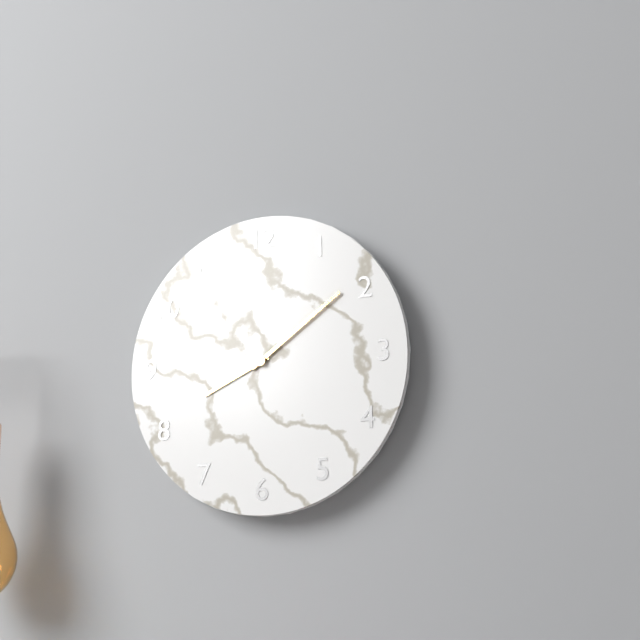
8.09
